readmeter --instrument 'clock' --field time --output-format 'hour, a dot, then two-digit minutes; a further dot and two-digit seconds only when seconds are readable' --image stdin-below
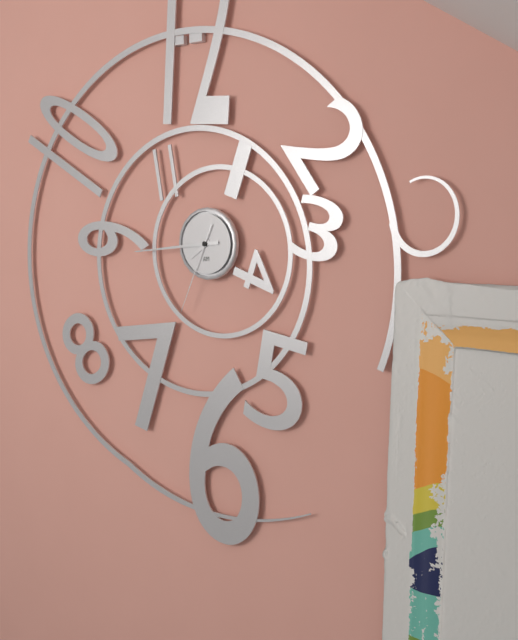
7.44.34
